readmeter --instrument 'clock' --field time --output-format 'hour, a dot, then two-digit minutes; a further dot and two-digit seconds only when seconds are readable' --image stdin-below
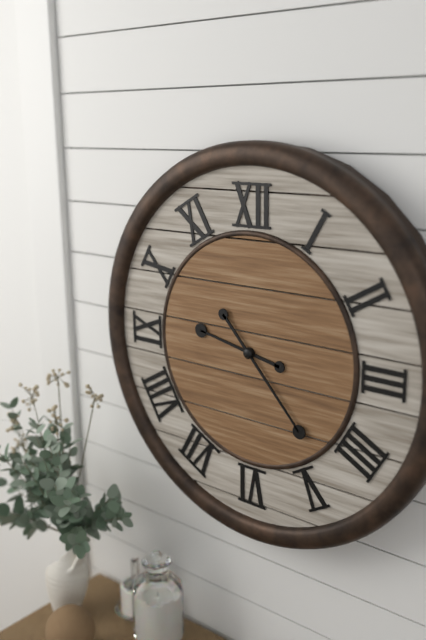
9.23
